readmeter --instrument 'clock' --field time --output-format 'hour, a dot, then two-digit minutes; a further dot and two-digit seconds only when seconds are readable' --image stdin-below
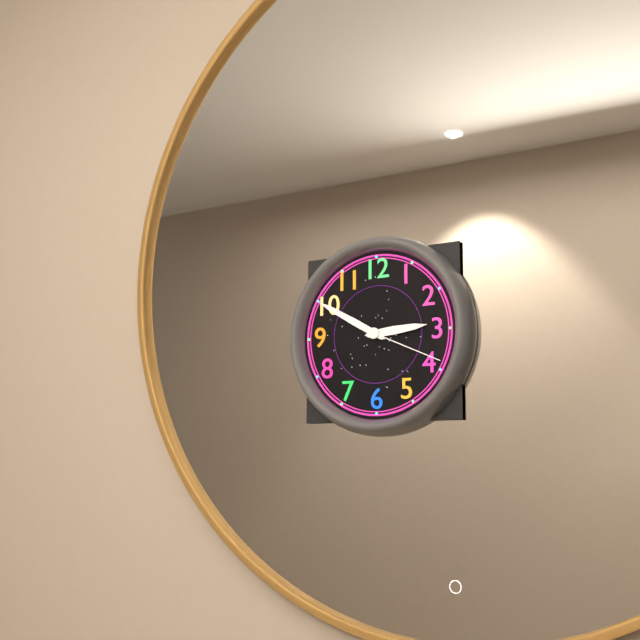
2.50.19
